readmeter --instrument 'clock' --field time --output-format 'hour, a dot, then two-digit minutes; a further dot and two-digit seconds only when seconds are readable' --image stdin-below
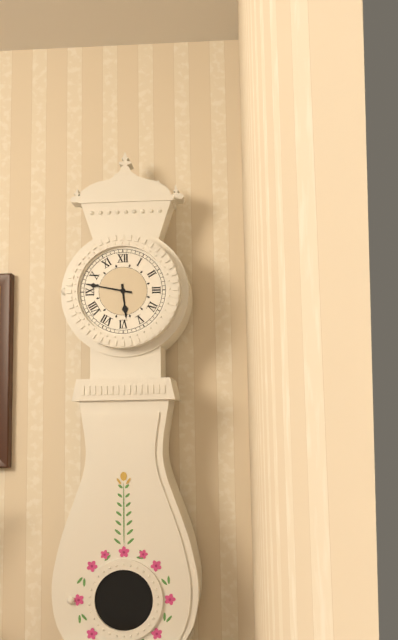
5.47
